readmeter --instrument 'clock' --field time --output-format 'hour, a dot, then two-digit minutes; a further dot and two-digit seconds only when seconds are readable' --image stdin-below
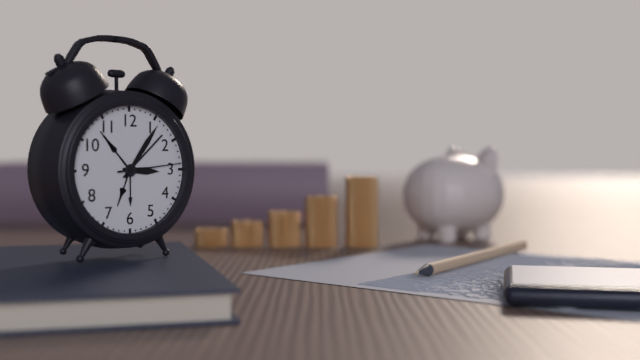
3.06.14
